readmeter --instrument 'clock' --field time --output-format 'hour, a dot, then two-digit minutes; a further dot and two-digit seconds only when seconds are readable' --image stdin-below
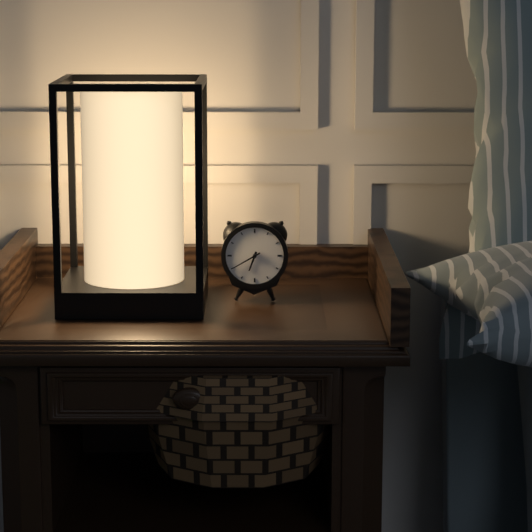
6.40
